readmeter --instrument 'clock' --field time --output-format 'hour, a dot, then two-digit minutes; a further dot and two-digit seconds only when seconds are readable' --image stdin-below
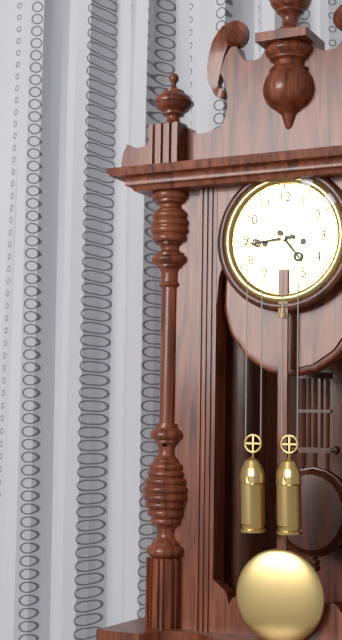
4.44
